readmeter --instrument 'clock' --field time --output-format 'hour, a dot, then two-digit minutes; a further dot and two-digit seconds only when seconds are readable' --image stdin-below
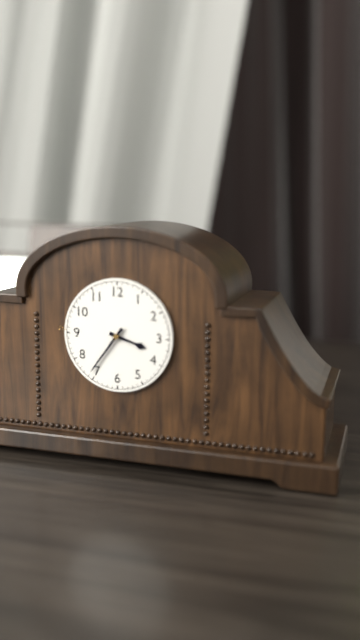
3.36
